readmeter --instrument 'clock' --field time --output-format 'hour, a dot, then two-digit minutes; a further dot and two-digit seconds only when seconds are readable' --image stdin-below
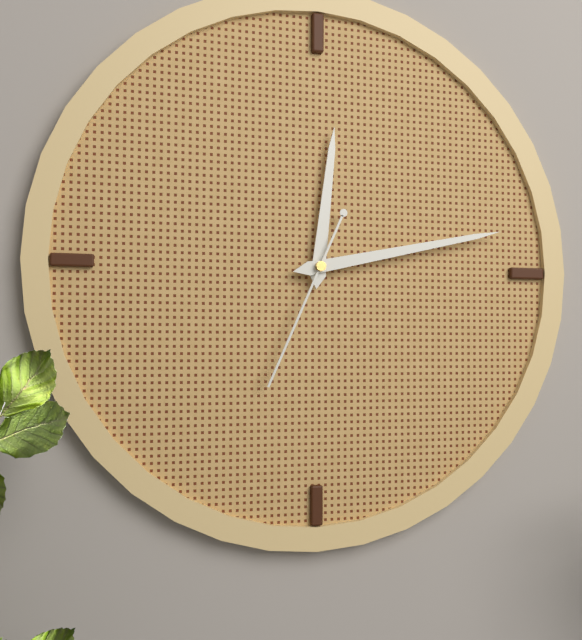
12.13.34
